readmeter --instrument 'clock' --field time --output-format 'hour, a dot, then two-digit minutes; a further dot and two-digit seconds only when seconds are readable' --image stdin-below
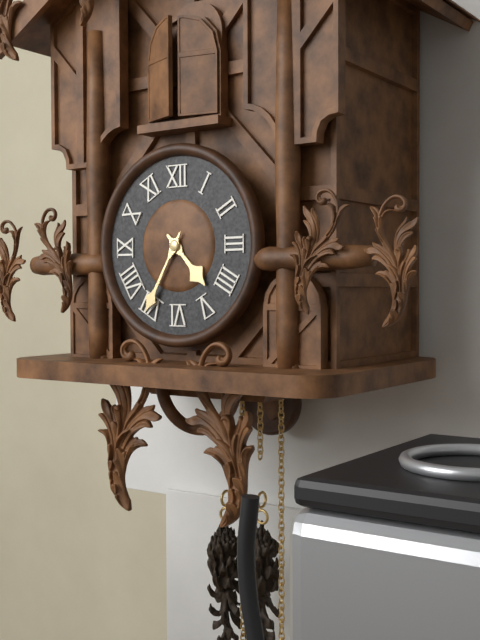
4.35
